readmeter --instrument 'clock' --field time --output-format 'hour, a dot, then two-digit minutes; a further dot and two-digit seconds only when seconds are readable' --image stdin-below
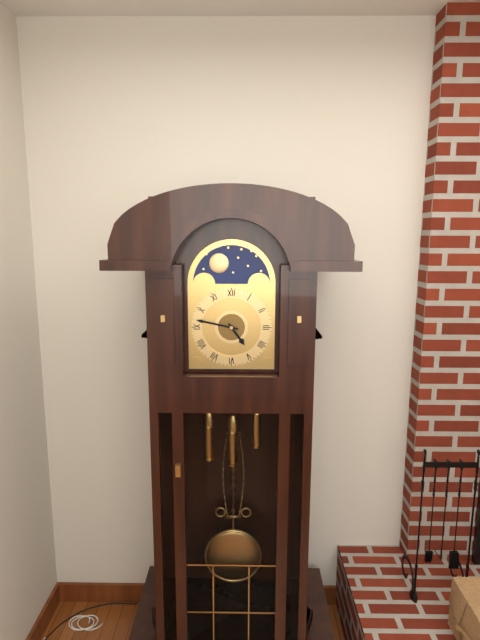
4.47
